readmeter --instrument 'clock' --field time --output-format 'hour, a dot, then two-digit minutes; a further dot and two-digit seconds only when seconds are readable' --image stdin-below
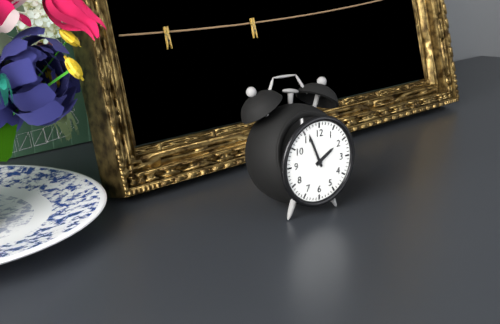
1.56
